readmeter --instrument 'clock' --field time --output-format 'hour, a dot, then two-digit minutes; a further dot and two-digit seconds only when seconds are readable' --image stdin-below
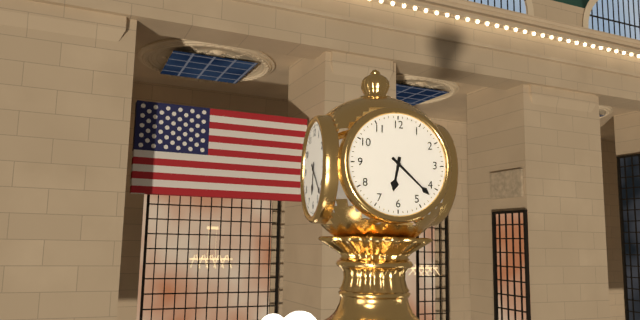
6.22
